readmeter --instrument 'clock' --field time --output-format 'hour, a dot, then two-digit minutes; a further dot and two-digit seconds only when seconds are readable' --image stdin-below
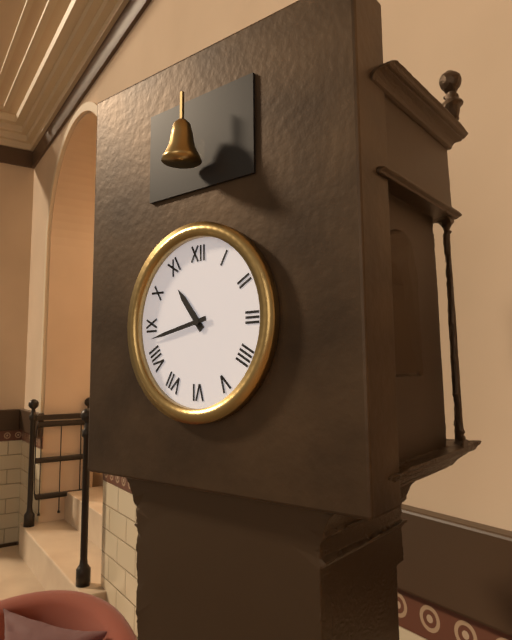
10.43
